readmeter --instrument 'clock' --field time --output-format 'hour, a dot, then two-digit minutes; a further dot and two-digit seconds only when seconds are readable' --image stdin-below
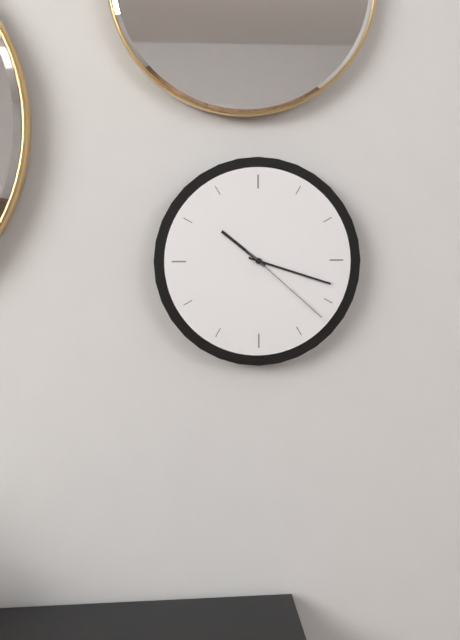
10.18.22
